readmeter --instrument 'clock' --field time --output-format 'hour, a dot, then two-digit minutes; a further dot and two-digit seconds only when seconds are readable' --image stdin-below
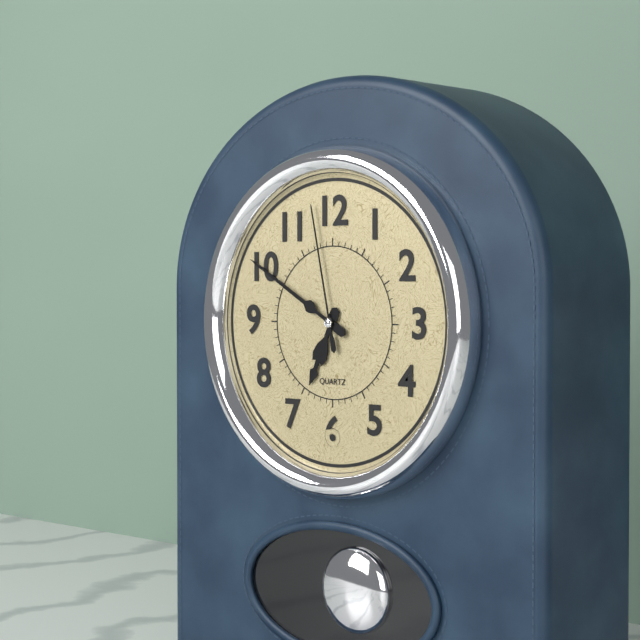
6.50.58
